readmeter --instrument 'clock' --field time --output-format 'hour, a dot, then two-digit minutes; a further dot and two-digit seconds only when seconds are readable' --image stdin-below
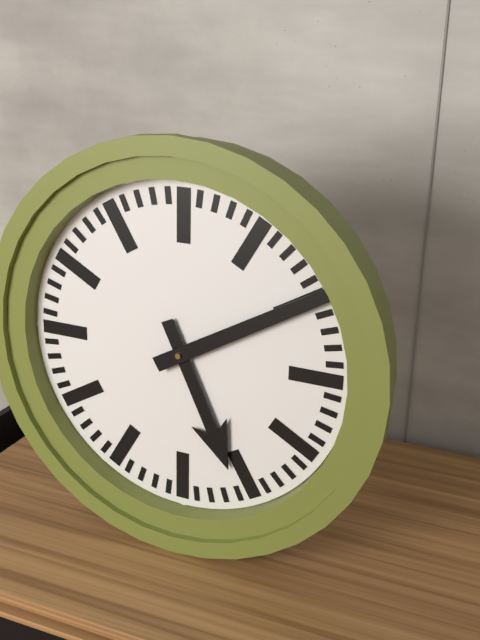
5.10
